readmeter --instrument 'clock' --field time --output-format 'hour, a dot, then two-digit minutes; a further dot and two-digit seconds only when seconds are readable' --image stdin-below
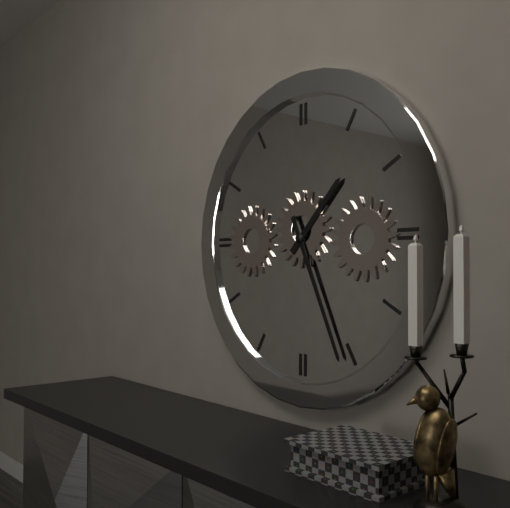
1.26
